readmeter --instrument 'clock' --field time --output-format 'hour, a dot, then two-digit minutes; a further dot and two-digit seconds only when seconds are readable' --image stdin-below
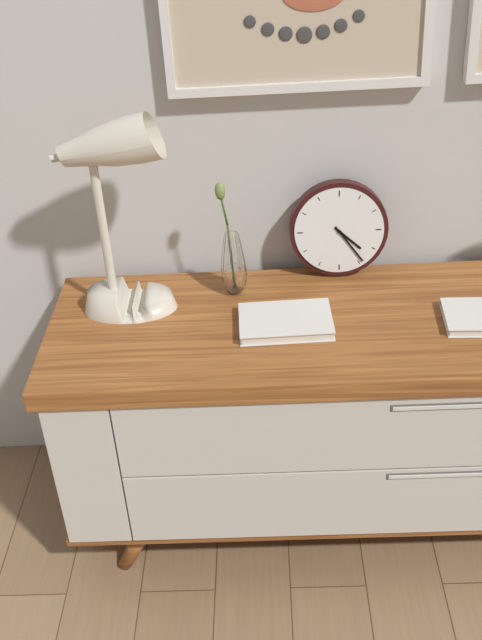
4.24
